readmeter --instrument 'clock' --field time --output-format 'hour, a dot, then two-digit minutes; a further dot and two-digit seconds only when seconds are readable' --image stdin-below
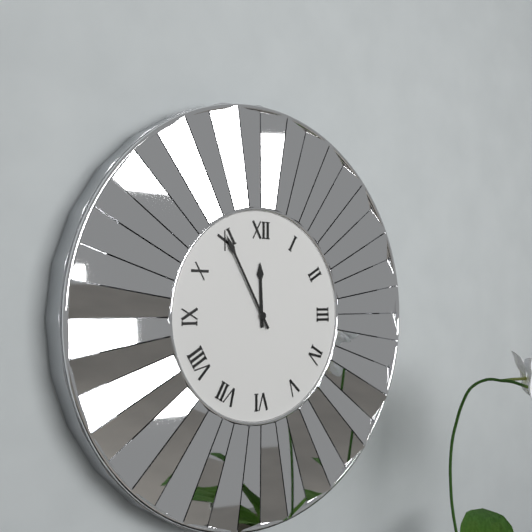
11.55
